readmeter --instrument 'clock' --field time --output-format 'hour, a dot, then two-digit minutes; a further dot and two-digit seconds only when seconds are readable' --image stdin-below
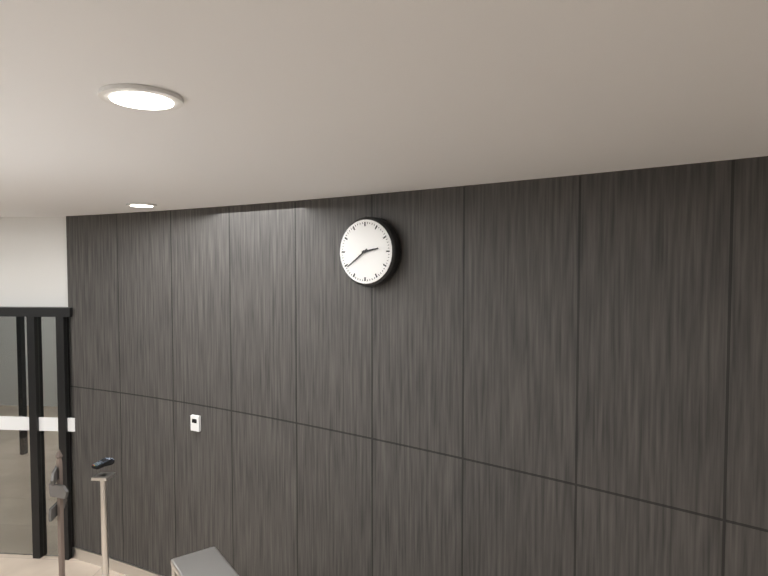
2.39
